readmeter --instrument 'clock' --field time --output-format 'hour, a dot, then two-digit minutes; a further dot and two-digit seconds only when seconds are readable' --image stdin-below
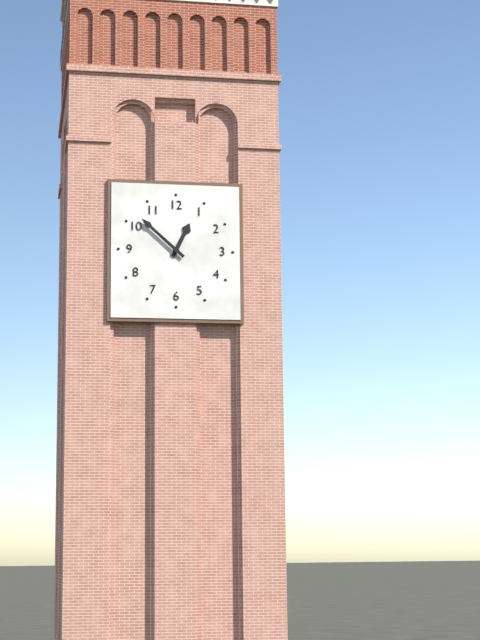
12.52
